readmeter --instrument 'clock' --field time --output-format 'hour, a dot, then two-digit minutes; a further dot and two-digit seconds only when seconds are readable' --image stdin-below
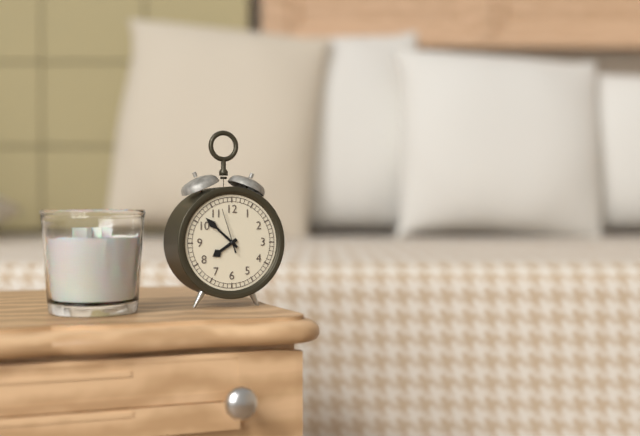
7.52
